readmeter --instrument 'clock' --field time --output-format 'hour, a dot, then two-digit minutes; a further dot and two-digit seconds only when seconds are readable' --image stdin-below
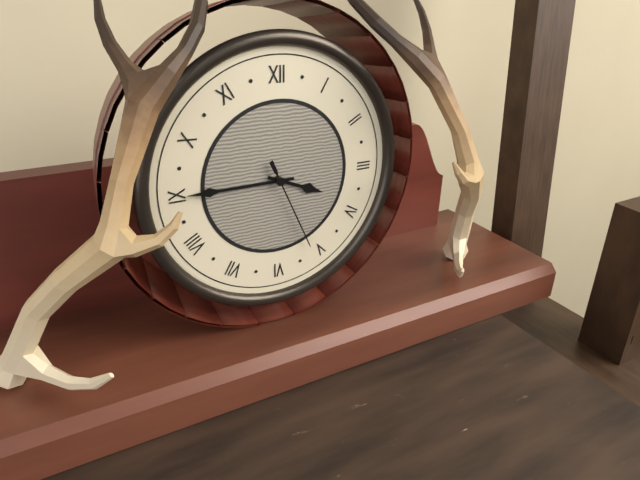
3.45.26
